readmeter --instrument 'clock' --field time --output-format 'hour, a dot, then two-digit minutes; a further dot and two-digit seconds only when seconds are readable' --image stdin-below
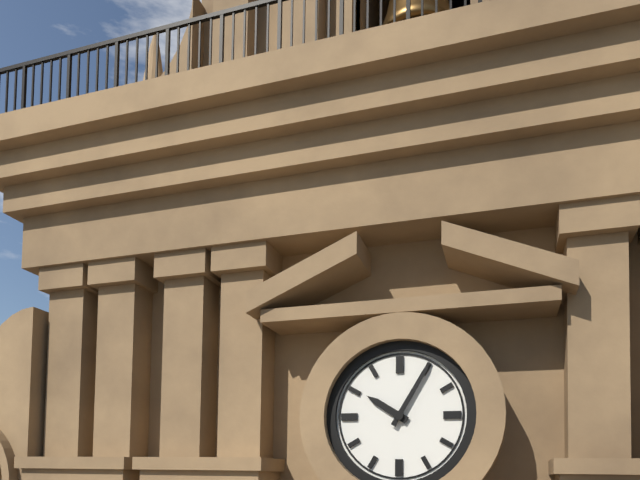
10.05
